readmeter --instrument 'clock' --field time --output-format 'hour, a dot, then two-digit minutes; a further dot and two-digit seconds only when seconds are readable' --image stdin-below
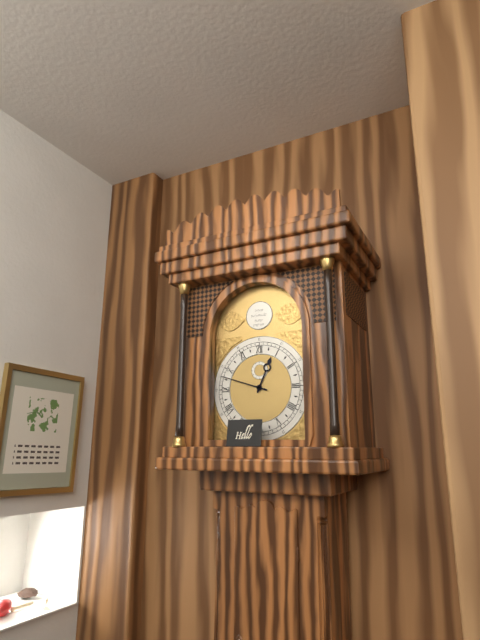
12.48
